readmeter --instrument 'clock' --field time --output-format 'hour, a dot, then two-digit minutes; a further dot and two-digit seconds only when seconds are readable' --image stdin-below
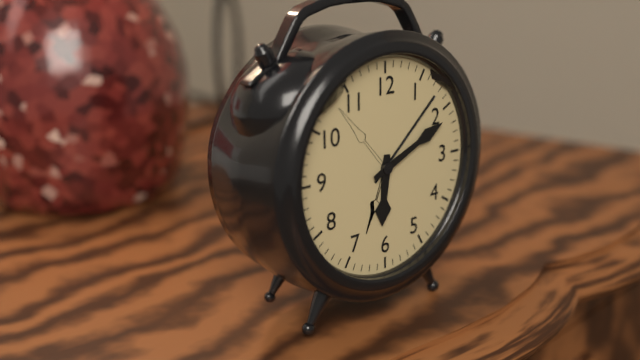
6.11
